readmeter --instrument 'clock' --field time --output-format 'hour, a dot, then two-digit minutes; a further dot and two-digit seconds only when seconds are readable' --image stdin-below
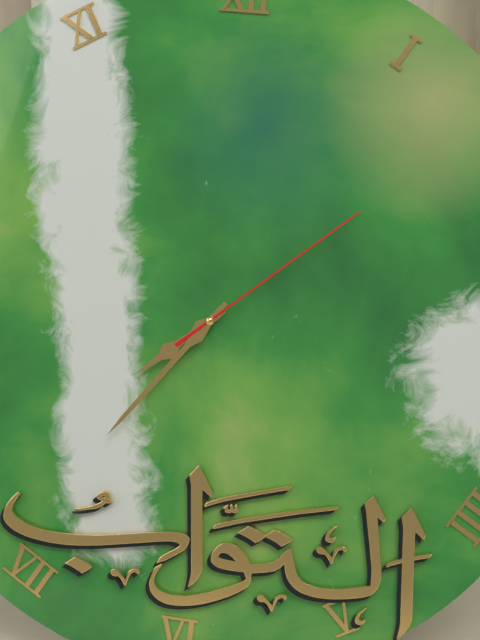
7.36.08
